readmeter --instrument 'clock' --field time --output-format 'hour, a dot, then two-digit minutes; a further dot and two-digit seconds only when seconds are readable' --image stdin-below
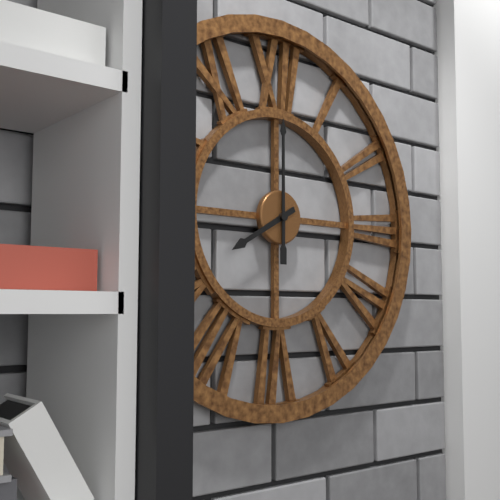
8.00
